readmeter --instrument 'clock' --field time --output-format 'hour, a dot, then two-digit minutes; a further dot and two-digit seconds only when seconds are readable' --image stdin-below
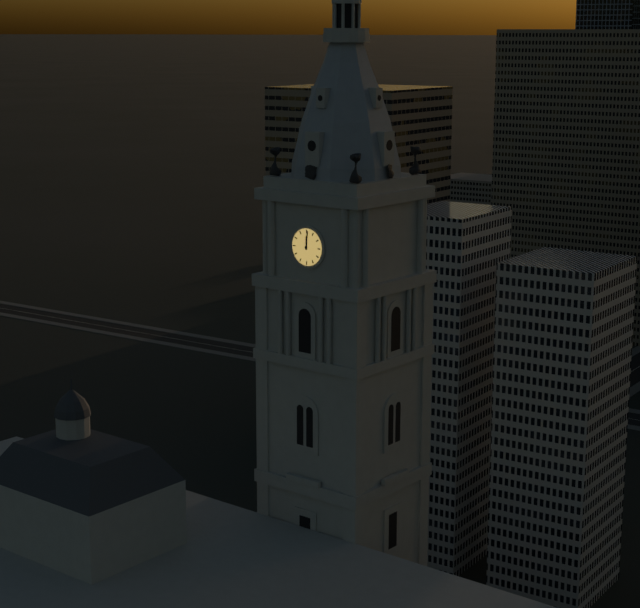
12.01
